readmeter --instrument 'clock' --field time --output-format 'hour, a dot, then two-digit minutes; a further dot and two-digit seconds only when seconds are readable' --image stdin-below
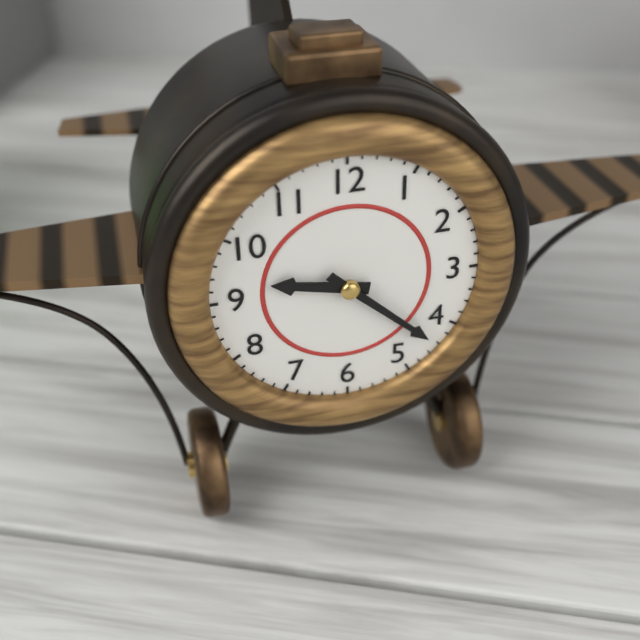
9.22
